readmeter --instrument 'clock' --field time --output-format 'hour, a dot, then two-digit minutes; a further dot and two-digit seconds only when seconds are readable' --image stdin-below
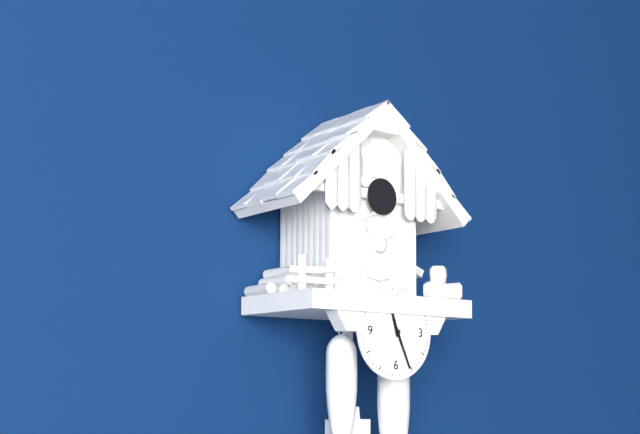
11.26
